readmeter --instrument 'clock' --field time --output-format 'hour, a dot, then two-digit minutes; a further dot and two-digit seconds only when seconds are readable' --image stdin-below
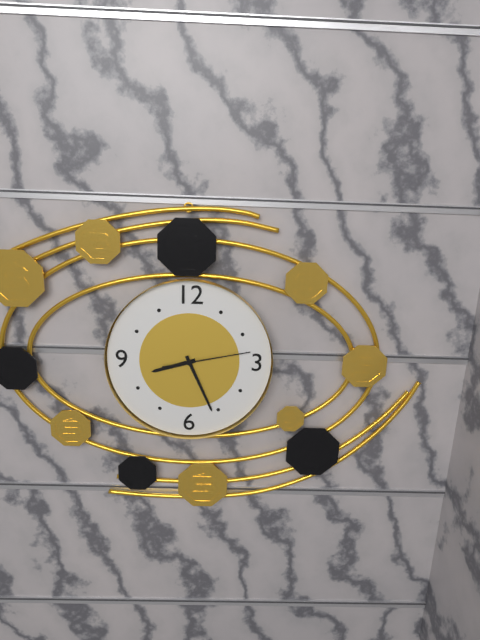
8.26.13
